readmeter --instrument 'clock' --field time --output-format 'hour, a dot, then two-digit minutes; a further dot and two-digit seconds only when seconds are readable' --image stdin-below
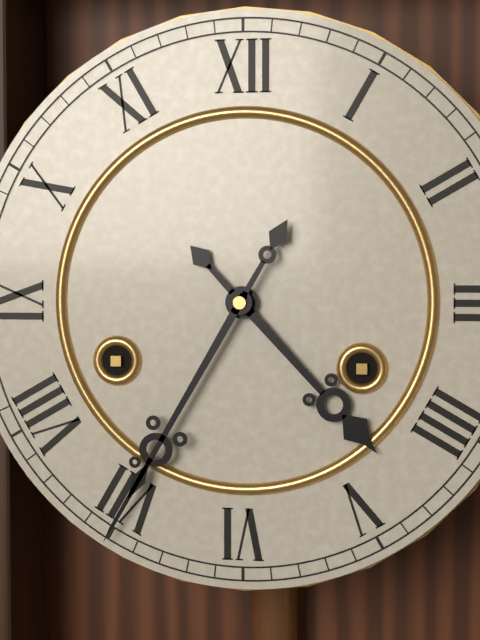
4.35
